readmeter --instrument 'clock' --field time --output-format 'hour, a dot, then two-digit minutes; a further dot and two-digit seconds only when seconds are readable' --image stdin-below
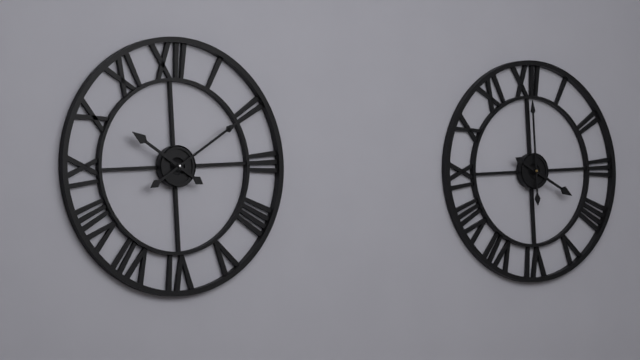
10.10
